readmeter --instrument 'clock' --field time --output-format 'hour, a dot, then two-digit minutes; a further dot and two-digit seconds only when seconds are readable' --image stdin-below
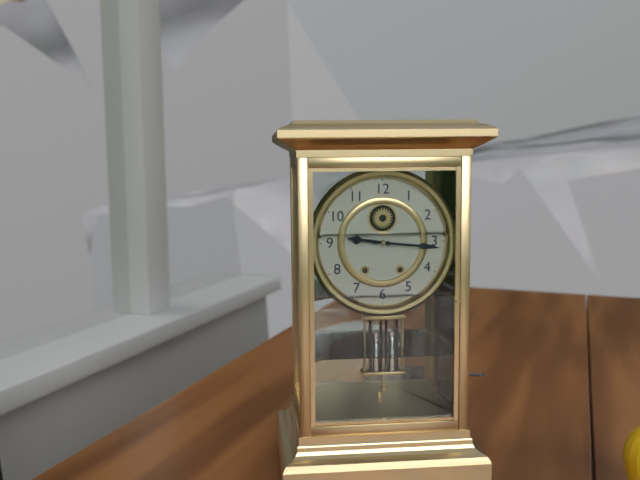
9.16
